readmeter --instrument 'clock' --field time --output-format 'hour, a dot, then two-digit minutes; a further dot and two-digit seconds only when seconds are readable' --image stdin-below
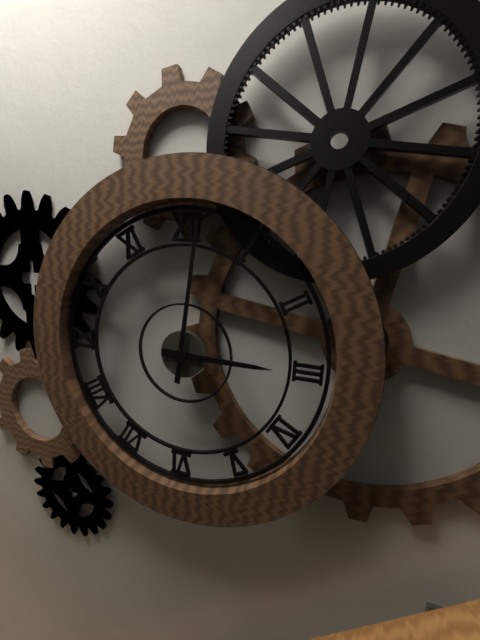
3.01
